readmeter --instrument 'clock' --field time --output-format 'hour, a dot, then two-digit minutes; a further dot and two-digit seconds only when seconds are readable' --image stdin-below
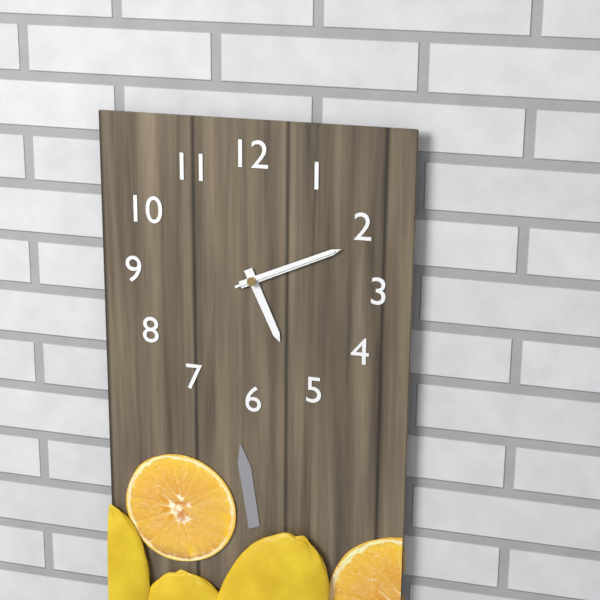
5.11.11
